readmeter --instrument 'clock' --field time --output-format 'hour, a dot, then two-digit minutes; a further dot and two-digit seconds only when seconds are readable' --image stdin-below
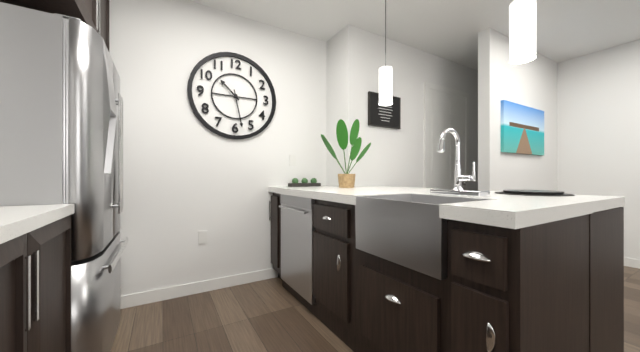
10.28
